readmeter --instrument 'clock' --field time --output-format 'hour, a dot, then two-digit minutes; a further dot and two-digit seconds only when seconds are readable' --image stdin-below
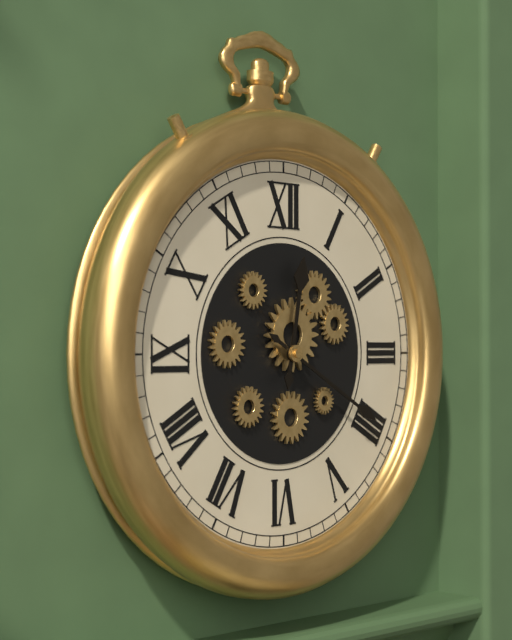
12.20
